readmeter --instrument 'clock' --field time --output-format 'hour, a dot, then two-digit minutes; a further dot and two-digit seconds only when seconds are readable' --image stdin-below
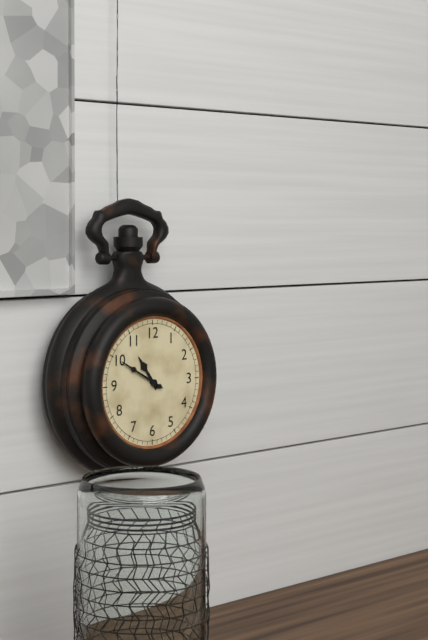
10.50
